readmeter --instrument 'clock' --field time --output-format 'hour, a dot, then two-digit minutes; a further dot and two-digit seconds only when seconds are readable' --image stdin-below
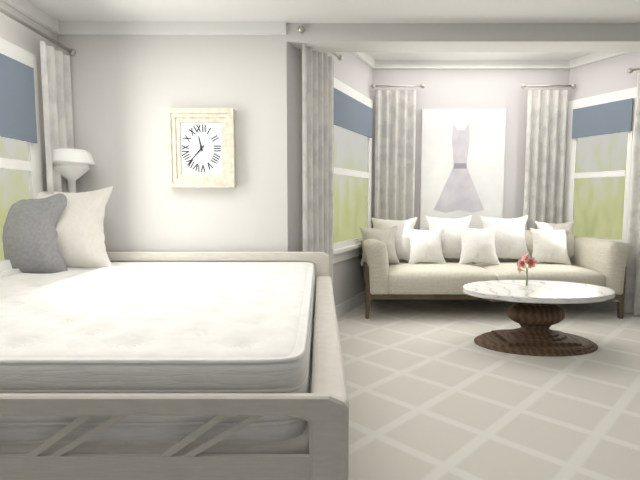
11.37
